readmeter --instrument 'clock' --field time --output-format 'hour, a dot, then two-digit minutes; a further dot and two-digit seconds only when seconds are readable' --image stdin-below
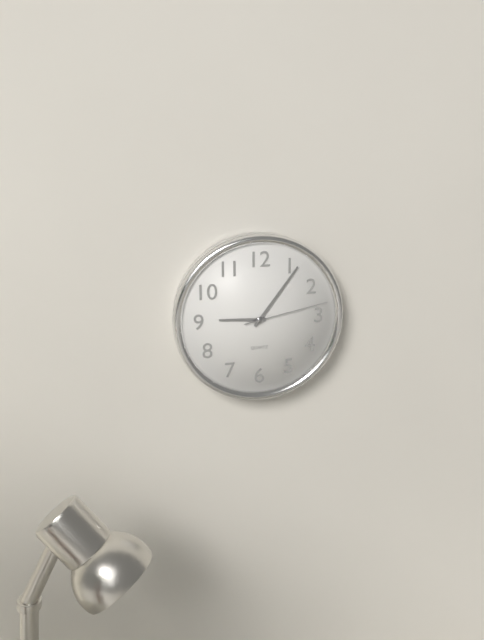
9.06.13
